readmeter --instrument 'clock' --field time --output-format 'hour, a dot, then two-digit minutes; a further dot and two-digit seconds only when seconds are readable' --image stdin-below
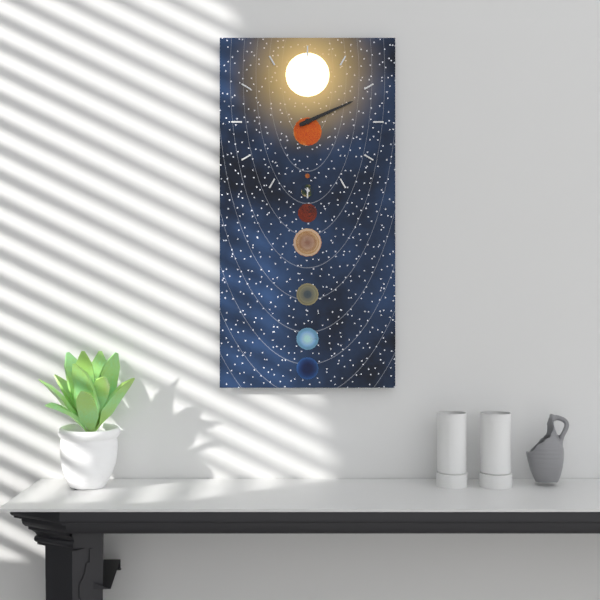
2.11
